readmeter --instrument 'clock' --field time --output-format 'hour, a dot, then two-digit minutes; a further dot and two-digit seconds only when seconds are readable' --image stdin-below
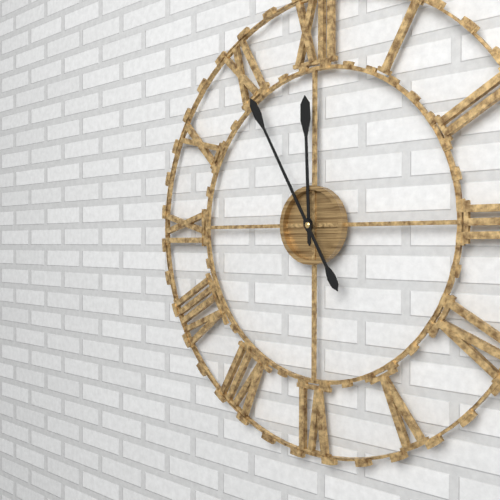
11.55
